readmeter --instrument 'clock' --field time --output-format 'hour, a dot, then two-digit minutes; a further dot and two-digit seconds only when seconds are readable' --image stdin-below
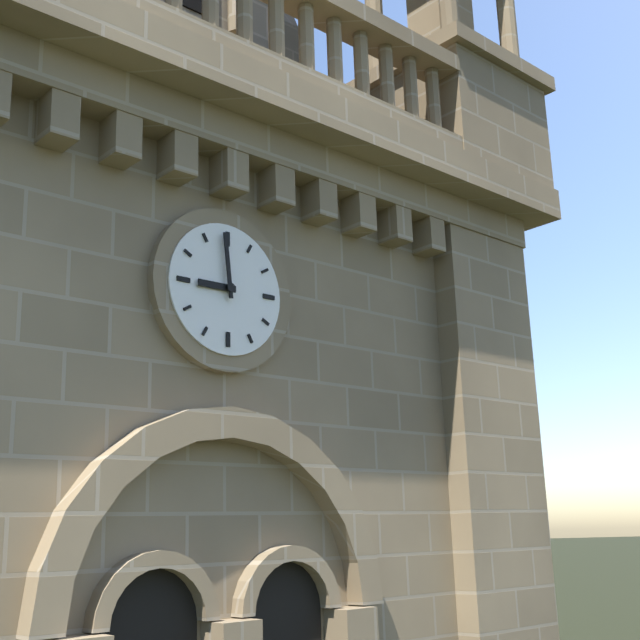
8.59
